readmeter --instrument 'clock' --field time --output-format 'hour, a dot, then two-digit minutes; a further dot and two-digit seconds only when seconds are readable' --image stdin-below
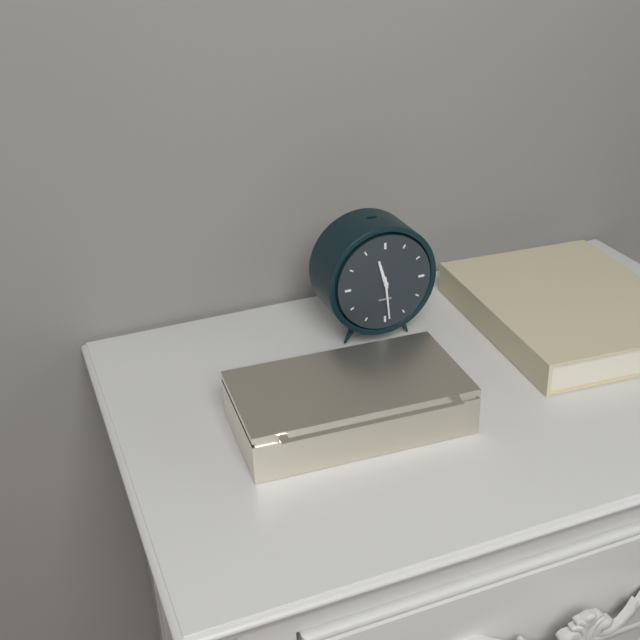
11.29
